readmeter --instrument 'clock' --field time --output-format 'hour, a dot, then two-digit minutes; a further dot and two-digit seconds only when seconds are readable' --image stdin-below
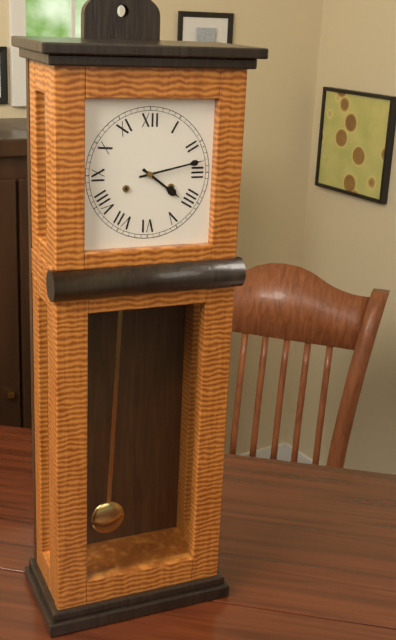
4.13
